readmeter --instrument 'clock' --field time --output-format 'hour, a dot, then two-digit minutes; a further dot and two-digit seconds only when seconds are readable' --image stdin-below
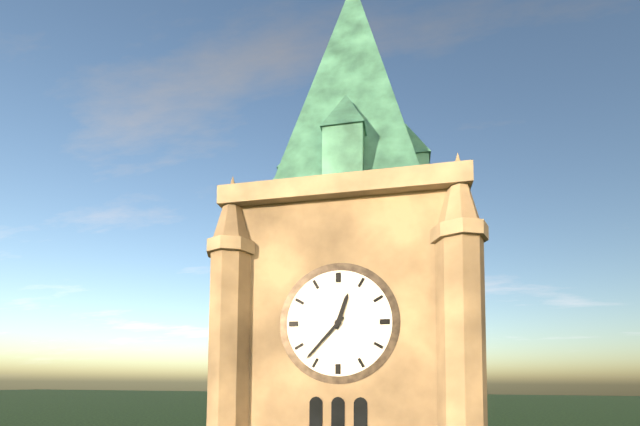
12.37
